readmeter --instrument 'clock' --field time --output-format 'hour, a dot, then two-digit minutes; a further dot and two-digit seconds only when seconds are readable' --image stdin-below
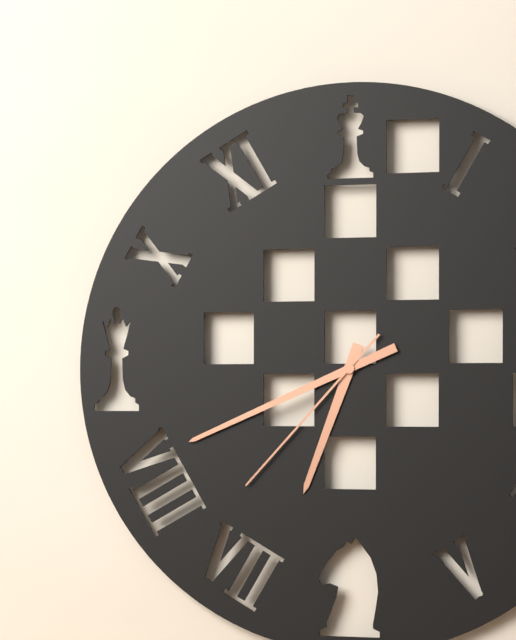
6.41.37
